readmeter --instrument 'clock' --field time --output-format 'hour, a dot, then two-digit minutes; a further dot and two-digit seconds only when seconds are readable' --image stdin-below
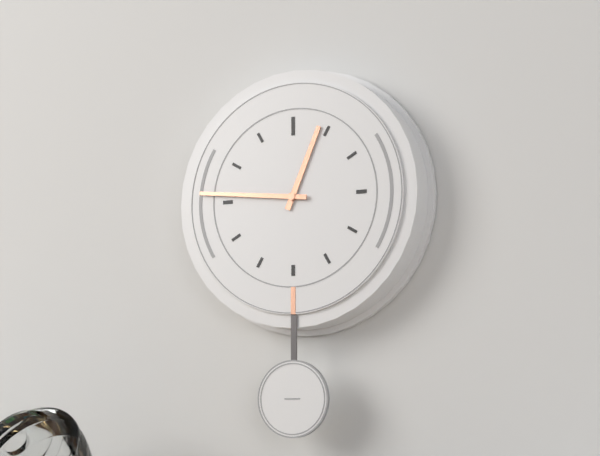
12.46
